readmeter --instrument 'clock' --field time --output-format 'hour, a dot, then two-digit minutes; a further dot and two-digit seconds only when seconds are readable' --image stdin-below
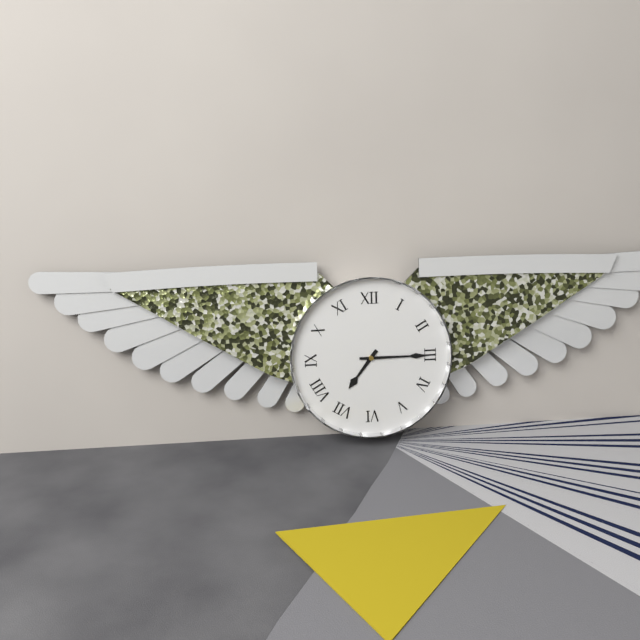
7.15
